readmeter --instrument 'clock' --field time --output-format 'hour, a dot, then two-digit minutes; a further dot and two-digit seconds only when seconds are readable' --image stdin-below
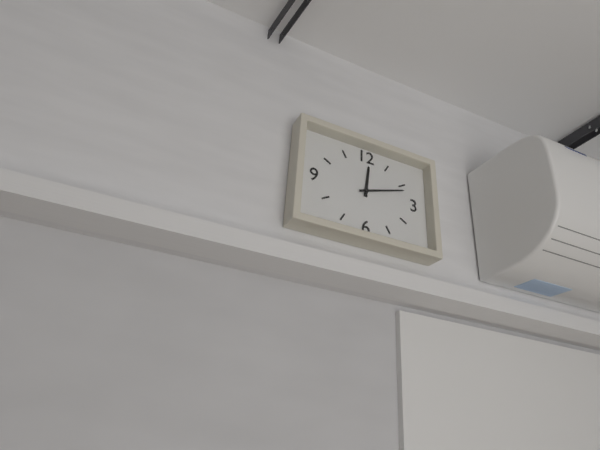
12.12
